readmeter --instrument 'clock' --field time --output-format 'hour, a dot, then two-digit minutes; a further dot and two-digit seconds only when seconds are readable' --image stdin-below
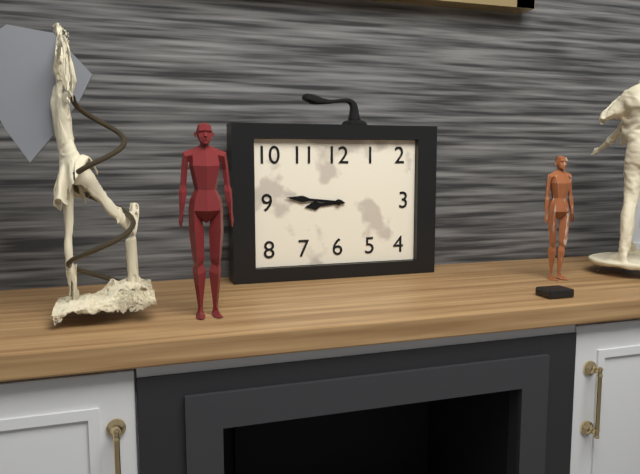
8.46
